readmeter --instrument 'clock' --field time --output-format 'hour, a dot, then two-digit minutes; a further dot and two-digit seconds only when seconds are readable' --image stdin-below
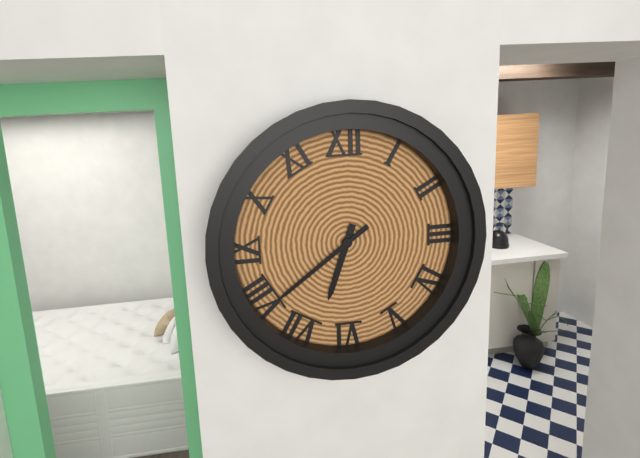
6.39
